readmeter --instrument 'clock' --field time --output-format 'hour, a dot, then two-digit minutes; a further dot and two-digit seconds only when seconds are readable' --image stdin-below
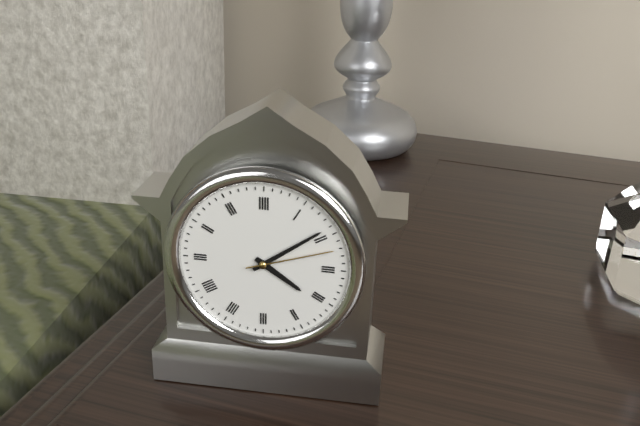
4.09.12
